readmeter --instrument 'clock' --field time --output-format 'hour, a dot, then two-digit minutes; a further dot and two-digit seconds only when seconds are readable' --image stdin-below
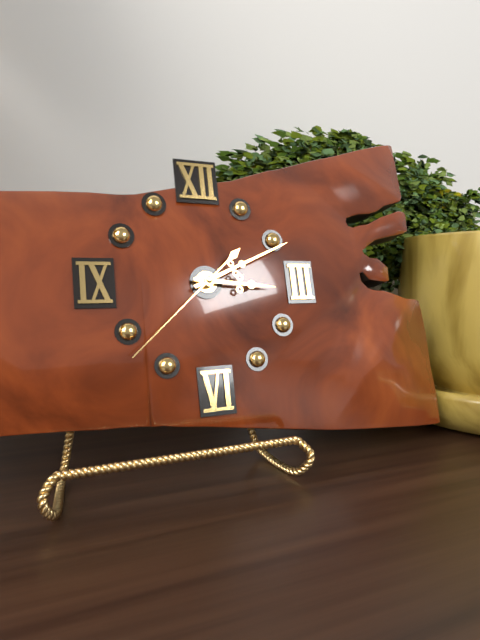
3.11.38
